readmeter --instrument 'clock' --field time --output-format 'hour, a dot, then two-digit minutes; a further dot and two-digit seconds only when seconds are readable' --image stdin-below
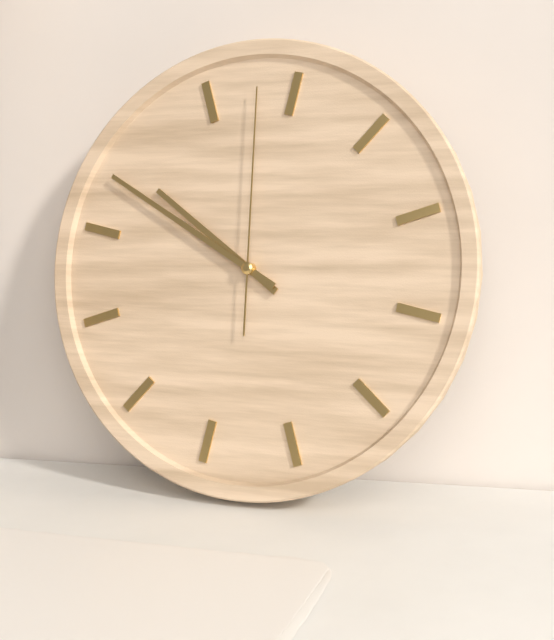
9.48.58
